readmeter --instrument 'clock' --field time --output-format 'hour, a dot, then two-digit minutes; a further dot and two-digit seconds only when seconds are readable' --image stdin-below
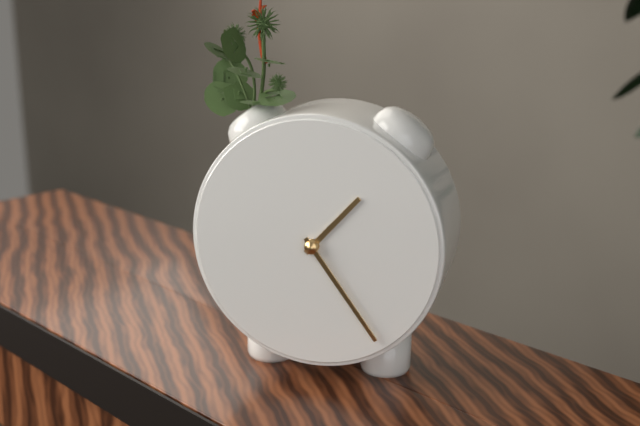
1.24
